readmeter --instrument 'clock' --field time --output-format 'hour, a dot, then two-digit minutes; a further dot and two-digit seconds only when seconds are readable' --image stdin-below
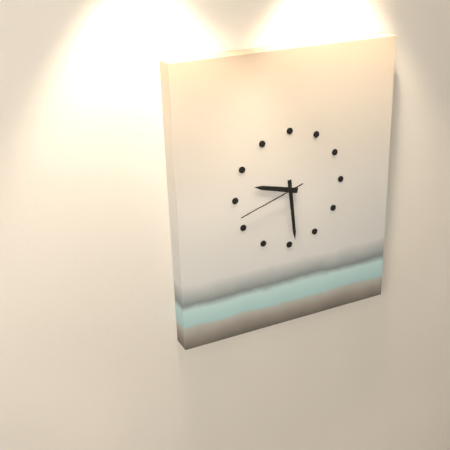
9.29.42
